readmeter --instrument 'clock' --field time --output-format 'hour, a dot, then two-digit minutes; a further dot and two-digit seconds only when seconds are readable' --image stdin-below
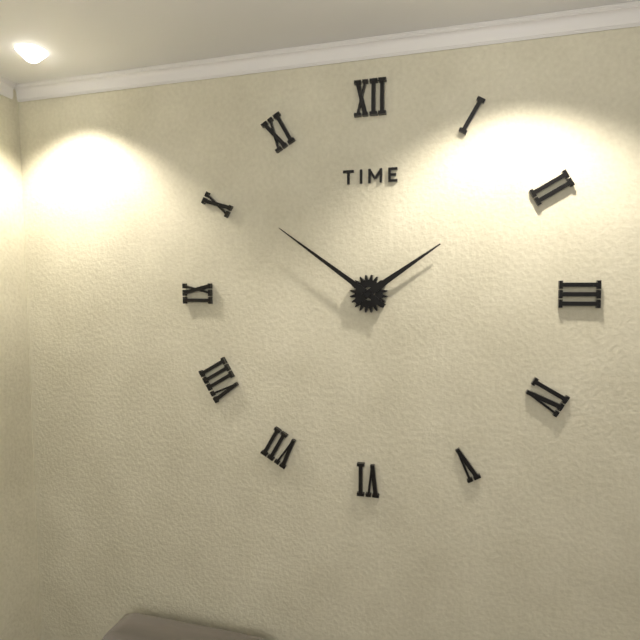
1.51
